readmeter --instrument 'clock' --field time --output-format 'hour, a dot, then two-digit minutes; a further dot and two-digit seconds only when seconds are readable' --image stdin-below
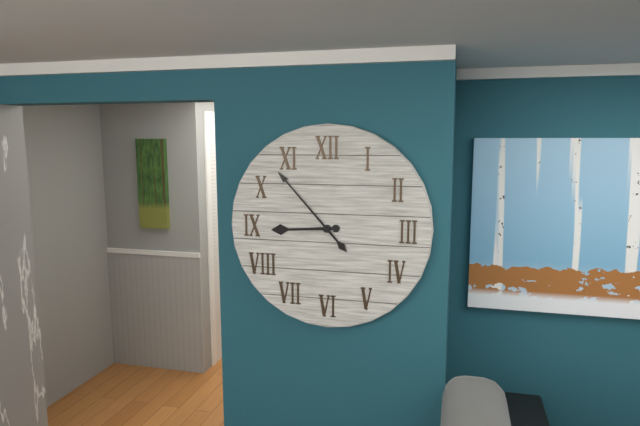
8.53
